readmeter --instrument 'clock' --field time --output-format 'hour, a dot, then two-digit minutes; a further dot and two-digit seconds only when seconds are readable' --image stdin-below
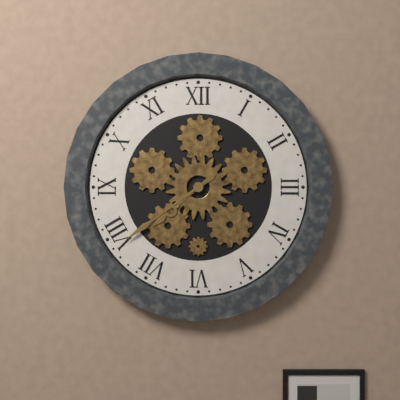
7.39
